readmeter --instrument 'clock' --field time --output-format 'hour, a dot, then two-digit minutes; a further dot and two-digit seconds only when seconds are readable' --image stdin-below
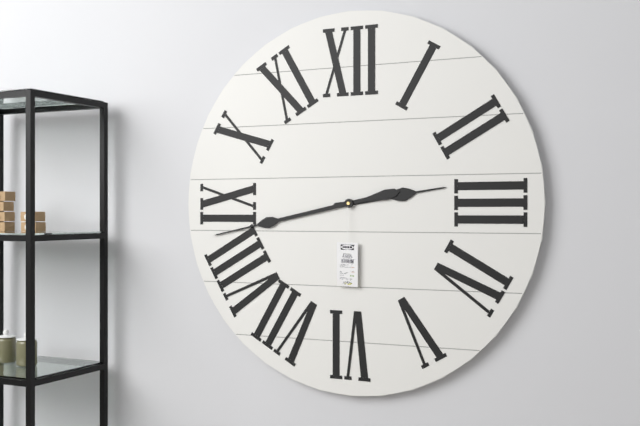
2.43
